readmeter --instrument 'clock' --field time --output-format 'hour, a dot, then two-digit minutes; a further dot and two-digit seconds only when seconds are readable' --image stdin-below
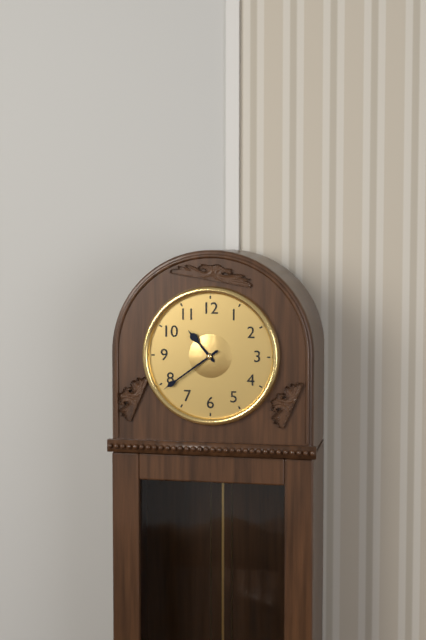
10.39
